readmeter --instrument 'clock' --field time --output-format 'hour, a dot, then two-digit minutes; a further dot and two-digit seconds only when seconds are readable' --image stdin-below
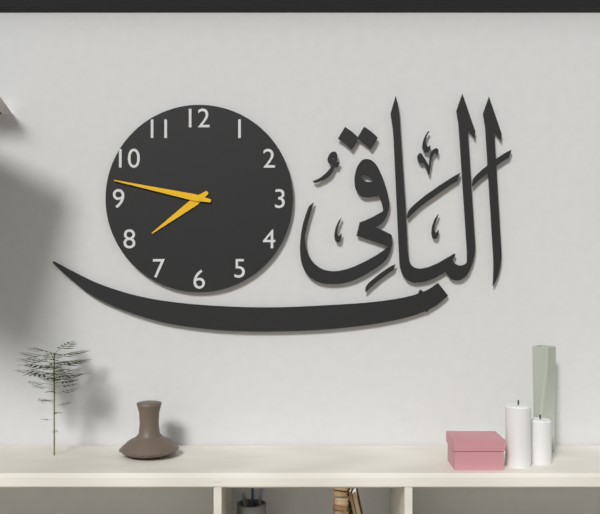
7.47
